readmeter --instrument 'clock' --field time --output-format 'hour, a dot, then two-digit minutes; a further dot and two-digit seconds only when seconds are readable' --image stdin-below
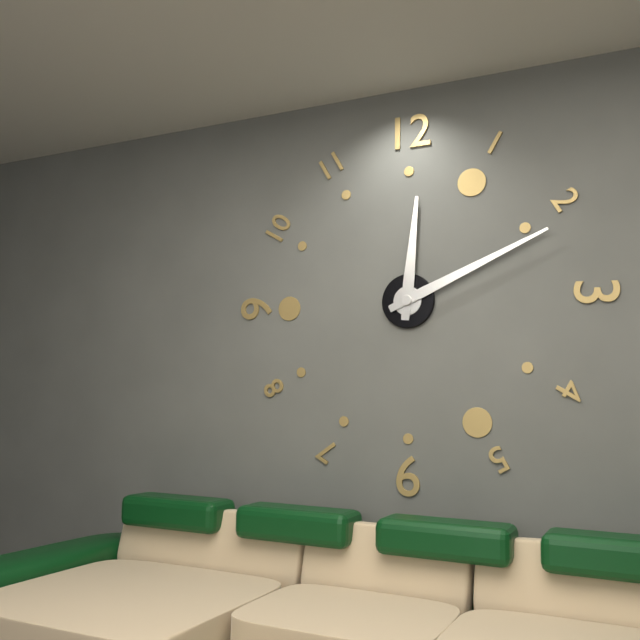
12.11
